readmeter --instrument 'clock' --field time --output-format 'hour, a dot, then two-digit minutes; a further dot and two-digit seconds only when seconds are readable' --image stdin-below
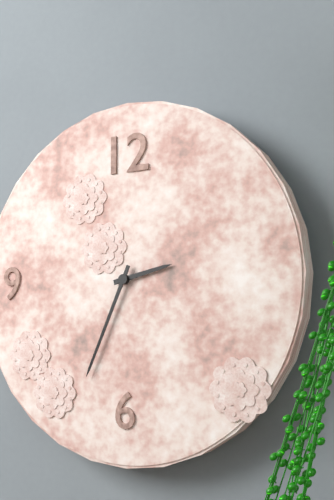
2.34
